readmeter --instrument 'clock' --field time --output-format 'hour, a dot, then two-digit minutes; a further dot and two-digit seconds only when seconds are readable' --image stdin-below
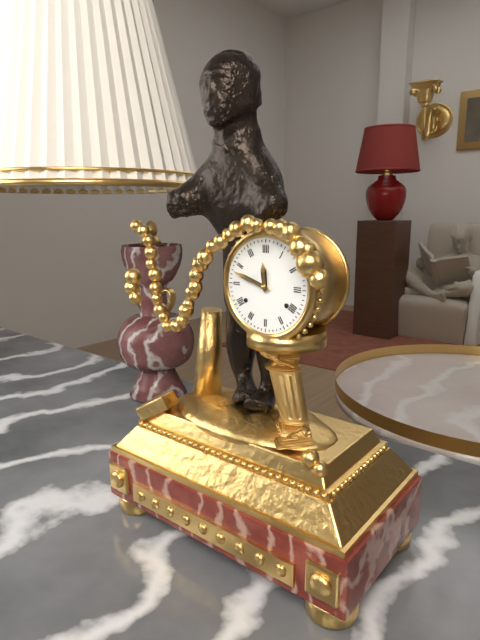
11.48
